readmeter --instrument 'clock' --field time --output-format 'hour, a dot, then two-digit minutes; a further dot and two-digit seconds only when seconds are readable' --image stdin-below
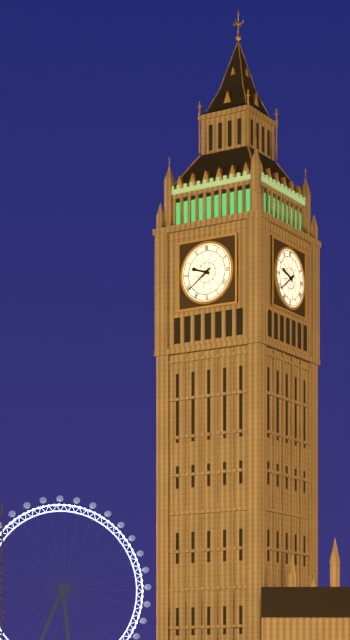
9.39
